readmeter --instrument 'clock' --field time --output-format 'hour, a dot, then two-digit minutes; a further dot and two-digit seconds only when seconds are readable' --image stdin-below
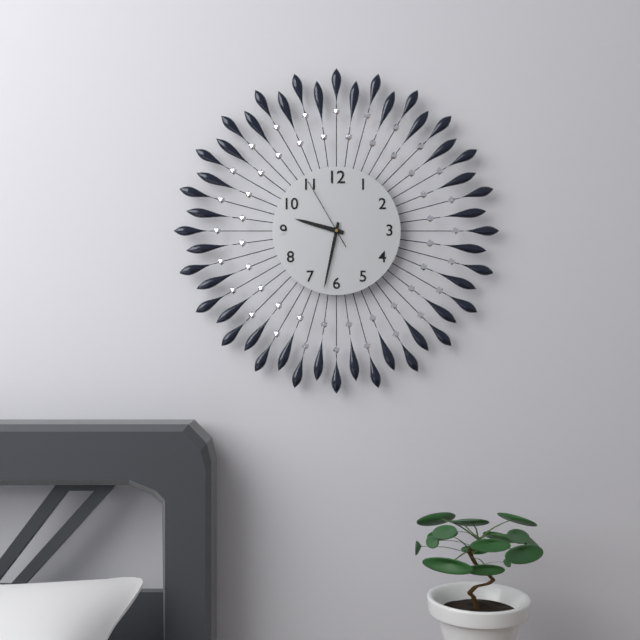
9.32.55
